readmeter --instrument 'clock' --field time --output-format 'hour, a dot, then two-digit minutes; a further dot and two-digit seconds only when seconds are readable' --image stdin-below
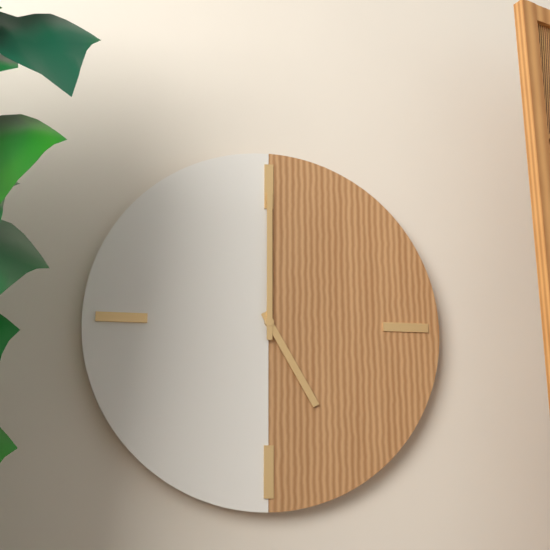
5.00
